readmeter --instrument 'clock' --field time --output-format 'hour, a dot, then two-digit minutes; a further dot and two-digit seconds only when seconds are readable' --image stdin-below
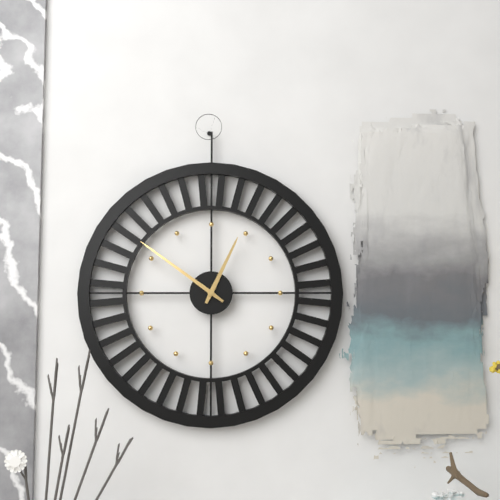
12.51
